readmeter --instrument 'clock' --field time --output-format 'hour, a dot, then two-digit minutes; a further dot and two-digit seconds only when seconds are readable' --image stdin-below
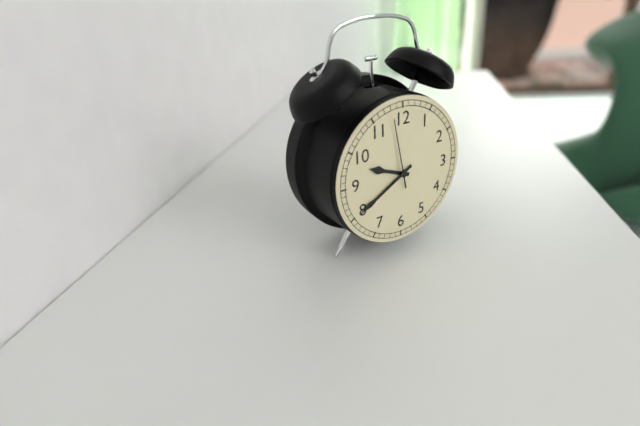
9.40.58
